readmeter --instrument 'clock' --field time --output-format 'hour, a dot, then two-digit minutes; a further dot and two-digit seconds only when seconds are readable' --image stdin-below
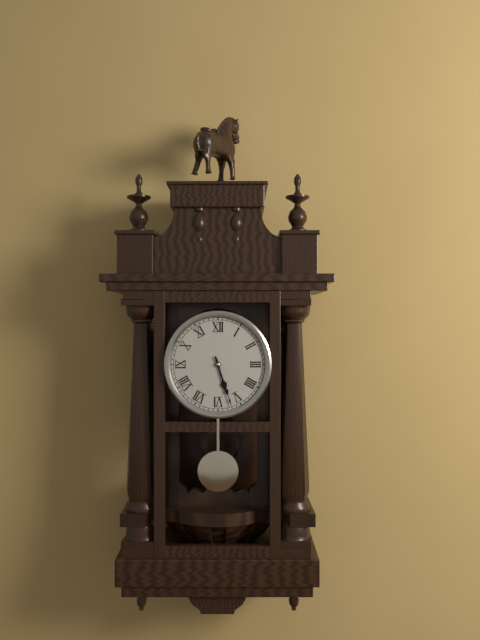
5.27
